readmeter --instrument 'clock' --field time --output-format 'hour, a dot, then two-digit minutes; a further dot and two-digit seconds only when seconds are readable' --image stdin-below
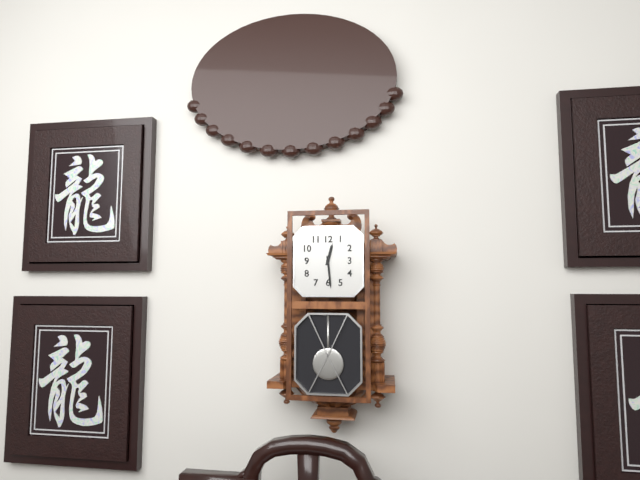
12.29
